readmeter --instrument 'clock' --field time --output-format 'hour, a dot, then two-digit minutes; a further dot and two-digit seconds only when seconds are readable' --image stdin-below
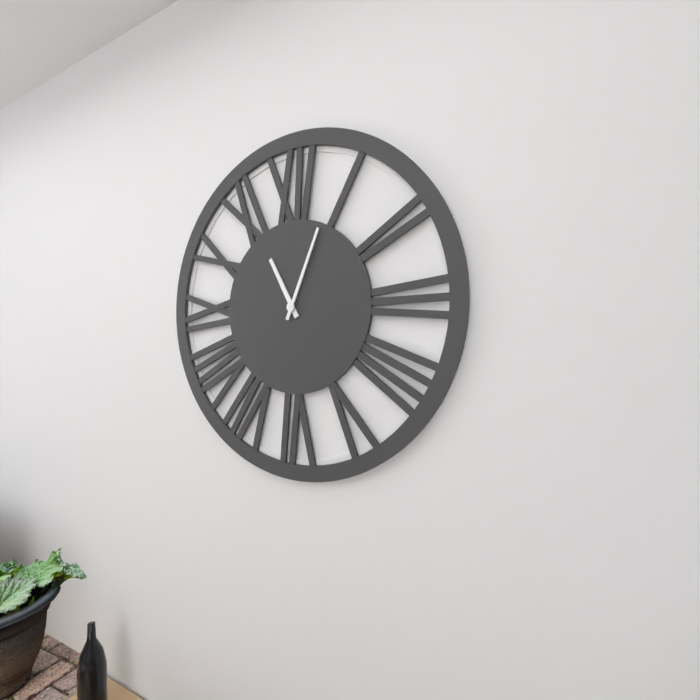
11.04
